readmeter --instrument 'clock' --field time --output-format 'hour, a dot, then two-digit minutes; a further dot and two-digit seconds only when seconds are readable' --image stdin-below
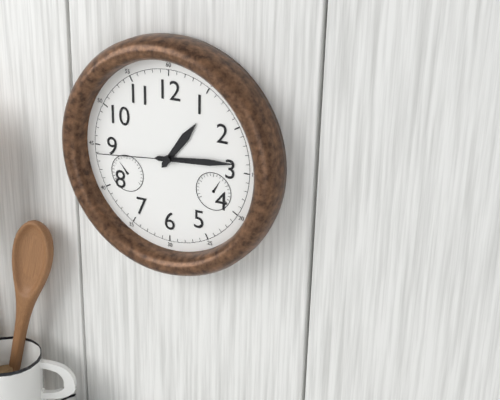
1.14.44
